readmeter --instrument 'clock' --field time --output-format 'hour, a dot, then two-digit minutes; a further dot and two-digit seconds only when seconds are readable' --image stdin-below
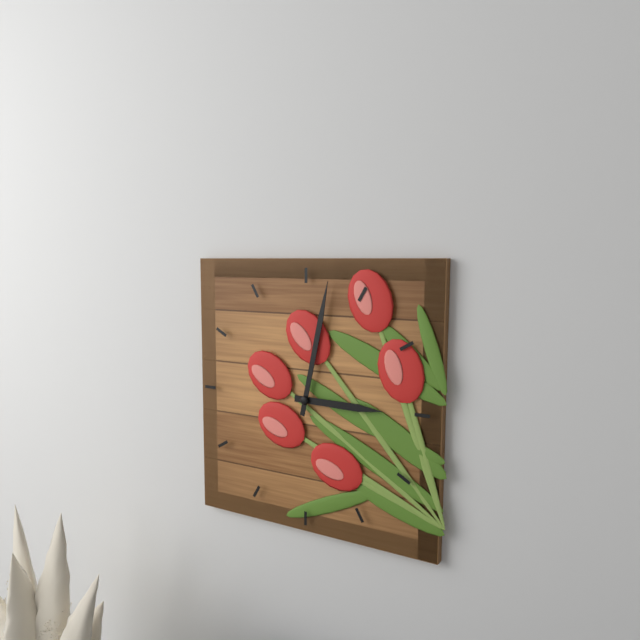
3.02
